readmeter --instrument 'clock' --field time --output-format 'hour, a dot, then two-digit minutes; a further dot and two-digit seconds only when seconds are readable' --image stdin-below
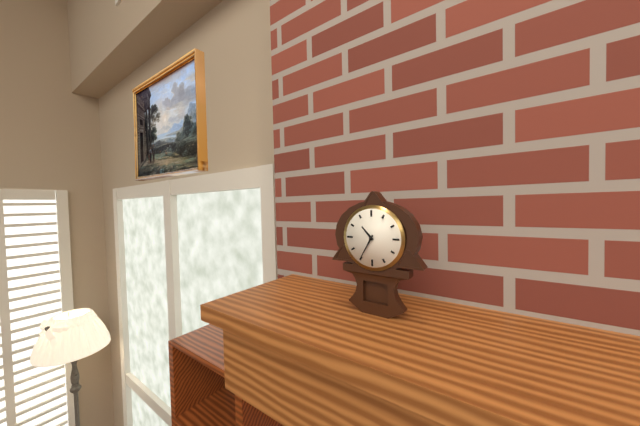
10.35
